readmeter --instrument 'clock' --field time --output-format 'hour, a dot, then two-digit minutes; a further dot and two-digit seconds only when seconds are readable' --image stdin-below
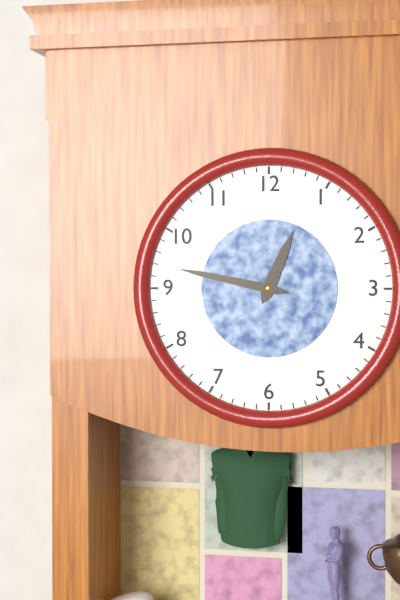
12.47
